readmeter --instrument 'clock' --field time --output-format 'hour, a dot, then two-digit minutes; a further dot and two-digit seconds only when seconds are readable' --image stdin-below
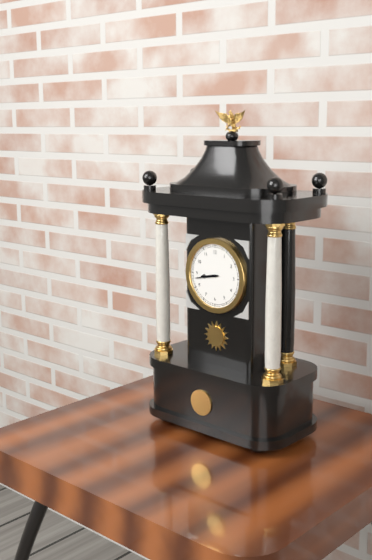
8.43
